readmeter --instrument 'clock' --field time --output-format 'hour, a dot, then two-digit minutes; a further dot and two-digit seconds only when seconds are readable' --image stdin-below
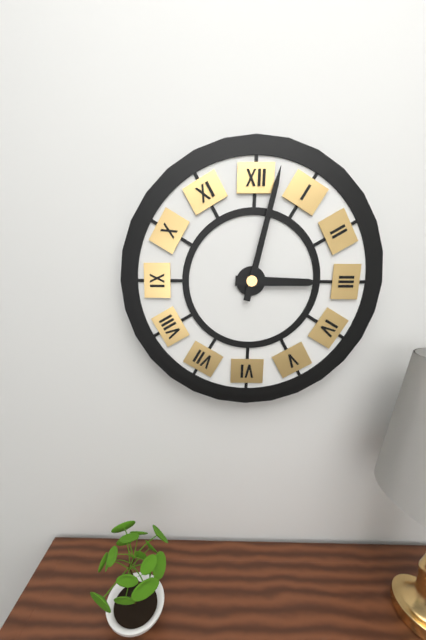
3.02
